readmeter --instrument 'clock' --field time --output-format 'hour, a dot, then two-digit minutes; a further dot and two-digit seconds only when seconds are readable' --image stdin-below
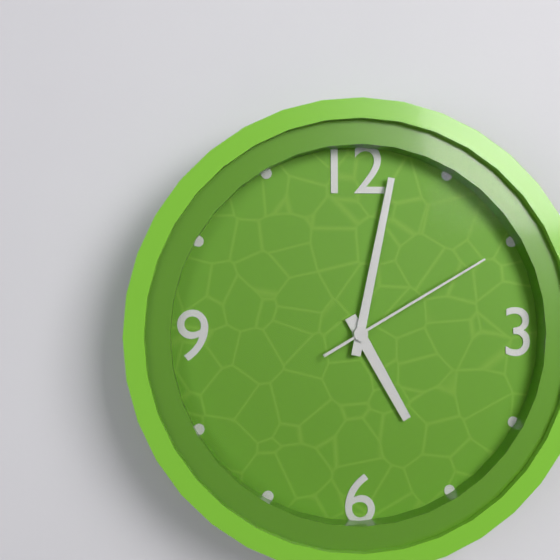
5.02.10
